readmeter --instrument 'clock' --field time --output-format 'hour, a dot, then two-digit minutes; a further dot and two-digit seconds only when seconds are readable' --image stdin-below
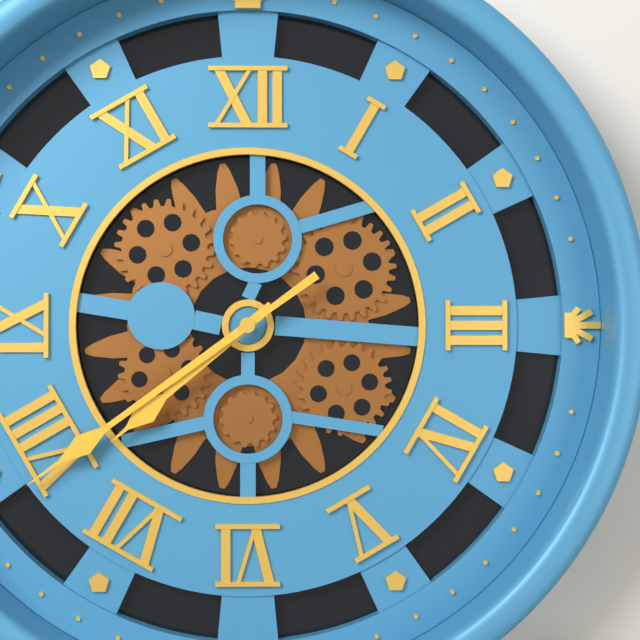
7.39
